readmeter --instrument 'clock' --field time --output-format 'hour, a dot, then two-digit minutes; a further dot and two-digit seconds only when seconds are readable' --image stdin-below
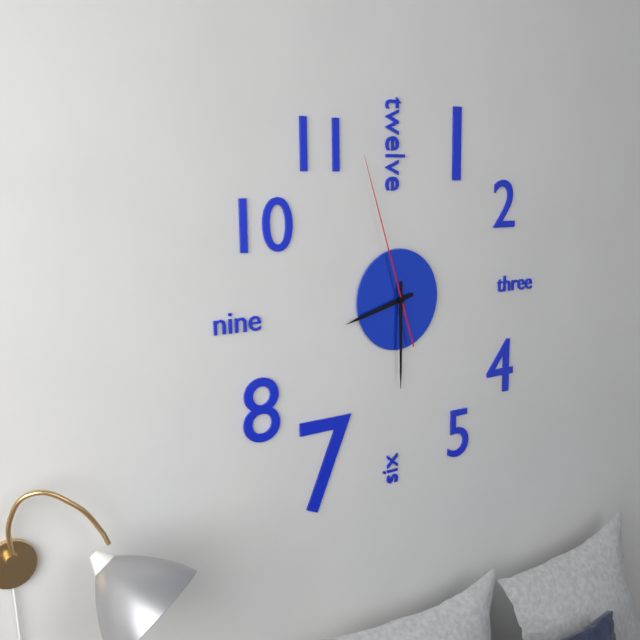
8.30.57
